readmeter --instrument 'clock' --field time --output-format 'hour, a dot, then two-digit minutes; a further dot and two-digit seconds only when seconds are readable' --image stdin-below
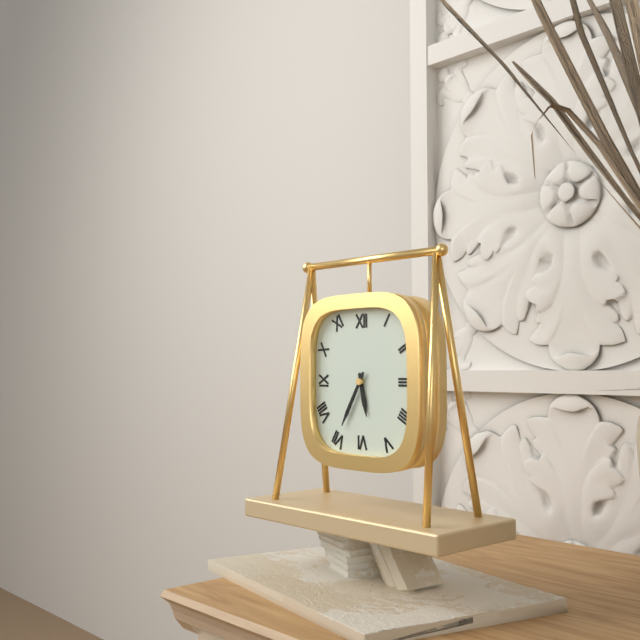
5.35
